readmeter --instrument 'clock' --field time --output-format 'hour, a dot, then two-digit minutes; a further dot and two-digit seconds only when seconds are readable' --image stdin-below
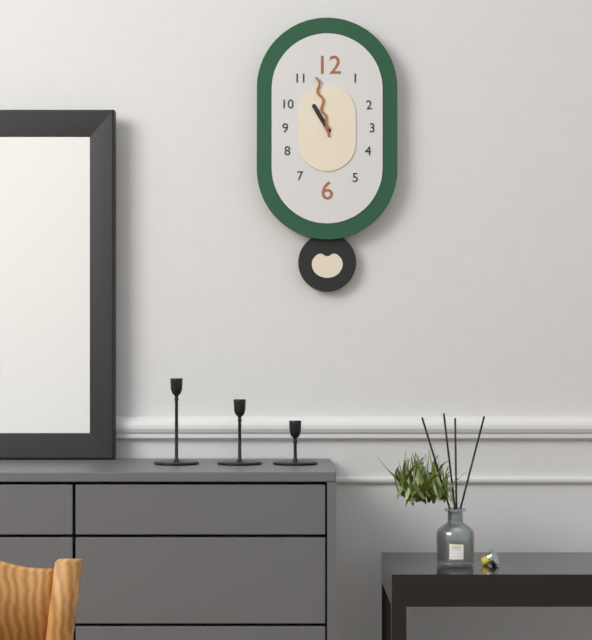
10.58
